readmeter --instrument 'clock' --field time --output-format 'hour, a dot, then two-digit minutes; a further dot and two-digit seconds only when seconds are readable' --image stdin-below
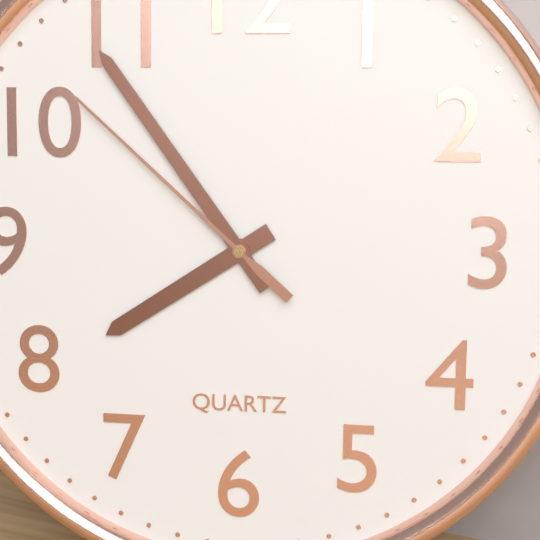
7.54.52
